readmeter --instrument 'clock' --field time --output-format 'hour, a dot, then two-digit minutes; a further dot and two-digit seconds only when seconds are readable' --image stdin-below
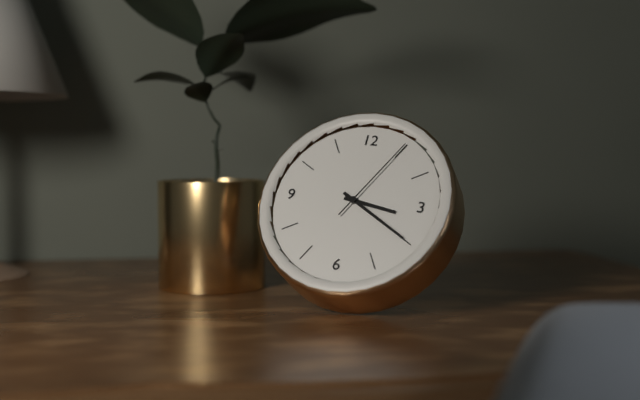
3.20.05
